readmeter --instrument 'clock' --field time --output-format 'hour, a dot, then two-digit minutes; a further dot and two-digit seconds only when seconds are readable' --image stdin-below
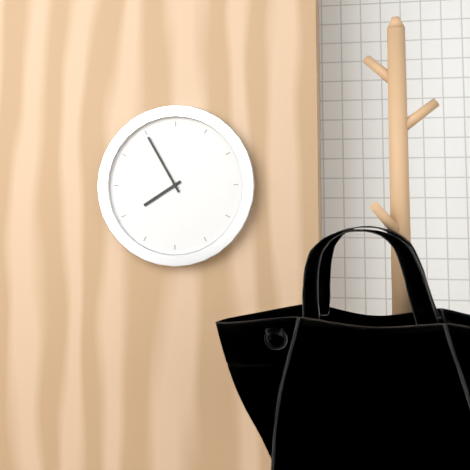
7.55
